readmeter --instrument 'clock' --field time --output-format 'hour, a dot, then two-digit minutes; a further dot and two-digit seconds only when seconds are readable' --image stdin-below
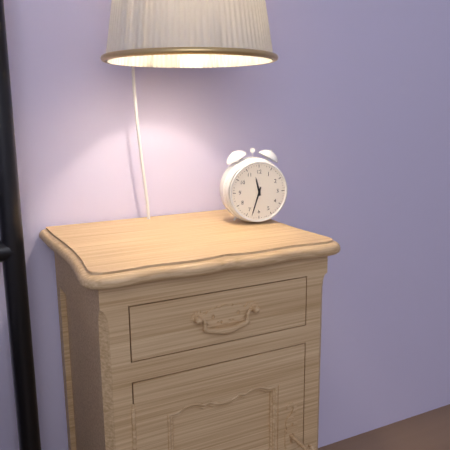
11.33
